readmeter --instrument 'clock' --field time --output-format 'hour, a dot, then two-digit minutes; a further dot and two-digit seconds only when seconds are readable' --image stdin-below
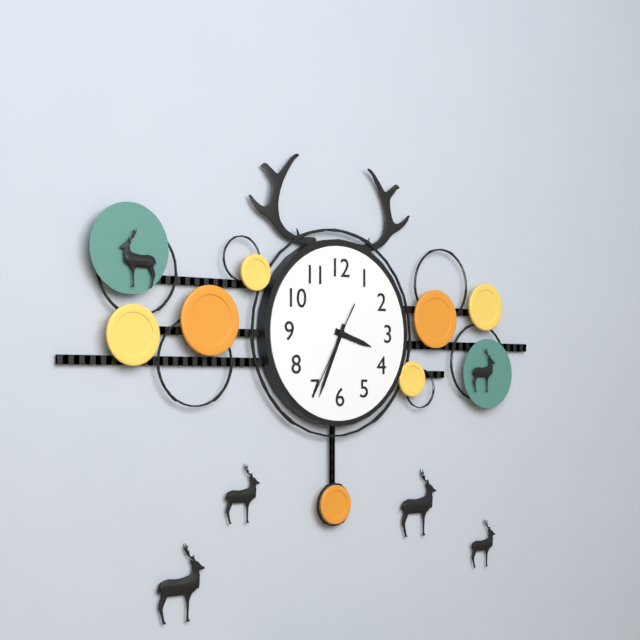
3.34.35
